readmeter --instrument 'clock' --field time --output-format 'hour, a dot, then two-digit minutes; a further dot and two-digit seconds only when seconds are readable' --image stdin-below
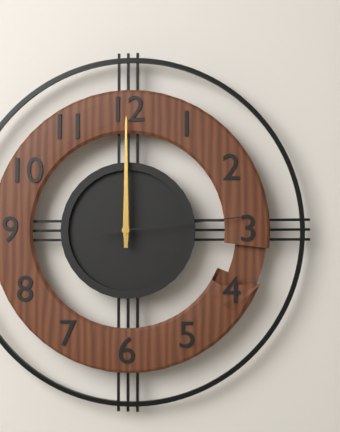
12.00.14
